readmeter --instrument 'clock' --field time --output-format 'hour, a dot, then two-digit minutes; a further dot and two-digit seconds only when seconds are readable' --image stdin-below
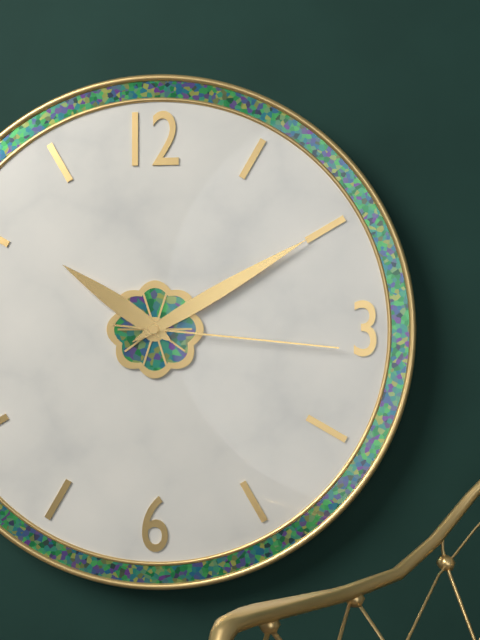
10.10.16
